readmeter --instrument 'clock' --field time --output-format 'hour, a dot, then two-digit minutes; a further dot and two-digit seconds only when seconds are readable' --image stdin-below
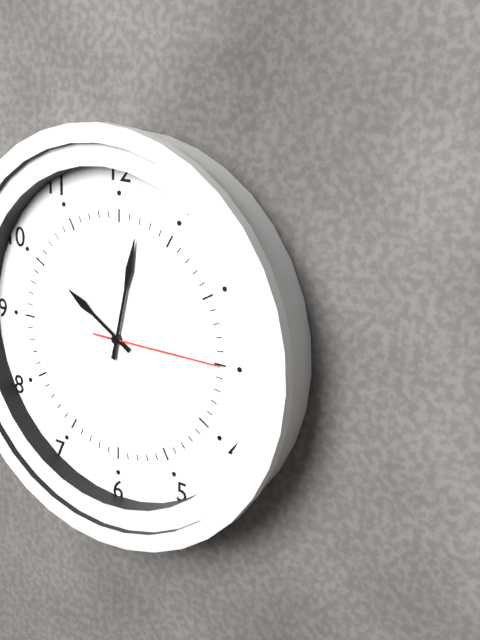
10.02.15
